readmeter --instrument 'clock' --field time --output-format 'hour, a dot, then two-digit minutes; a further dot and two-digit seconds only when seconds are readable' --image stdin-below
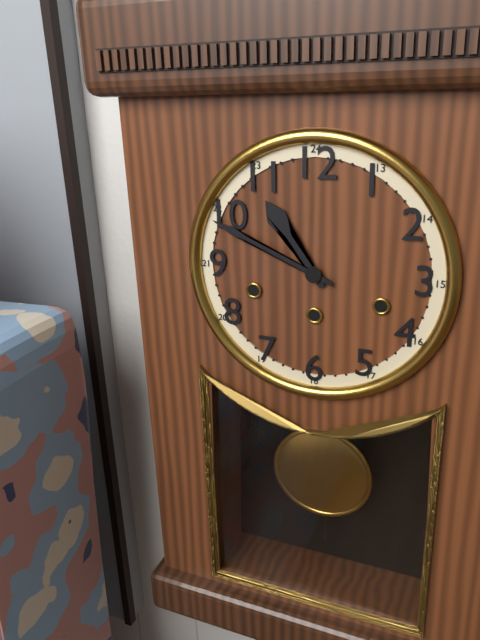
10.49
